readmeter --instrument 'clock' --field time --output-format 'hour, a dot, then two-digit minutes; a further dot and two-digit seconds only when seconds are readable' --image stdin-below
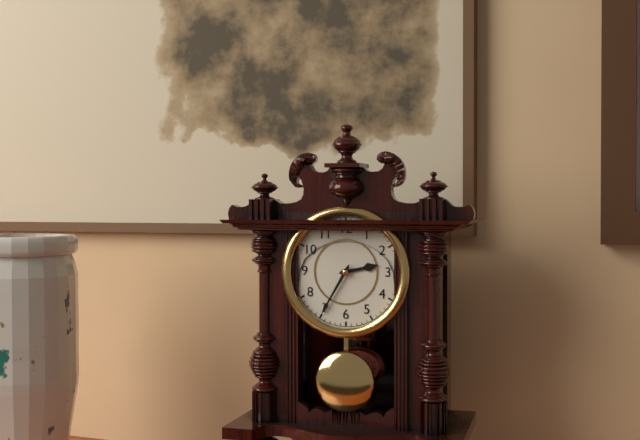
2.35
